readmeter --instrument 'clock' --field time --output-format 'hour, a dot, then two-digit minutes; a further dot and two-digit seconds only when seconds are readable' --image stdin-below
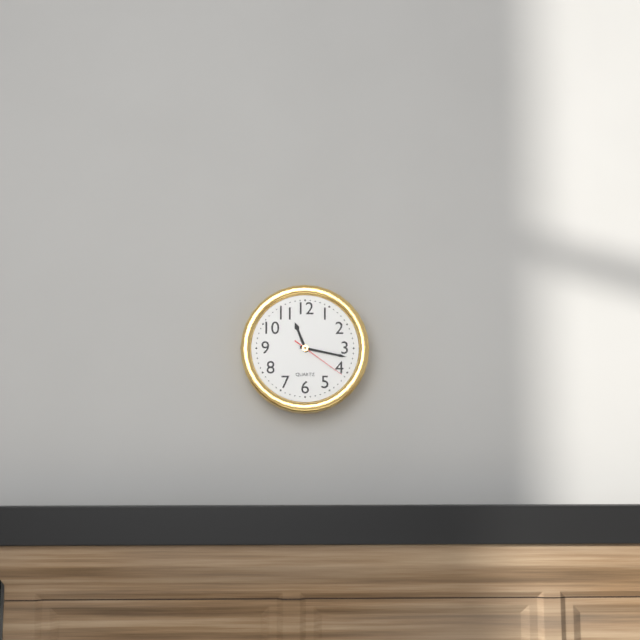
11.17.21
